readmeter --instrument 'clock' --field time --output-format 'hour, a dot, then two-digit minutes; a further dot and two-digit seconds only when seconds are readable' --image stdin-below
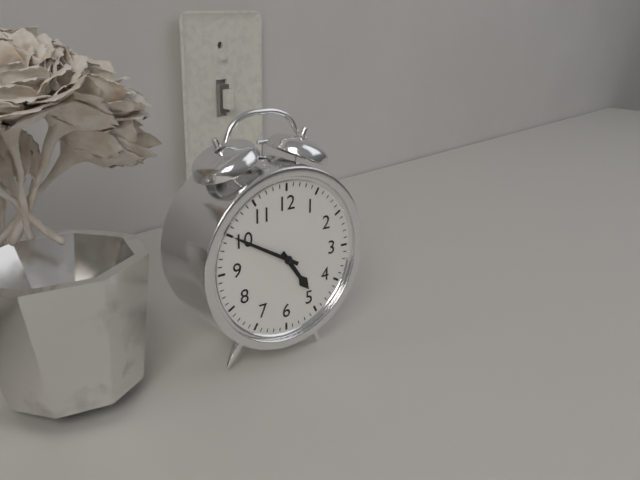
4.50
